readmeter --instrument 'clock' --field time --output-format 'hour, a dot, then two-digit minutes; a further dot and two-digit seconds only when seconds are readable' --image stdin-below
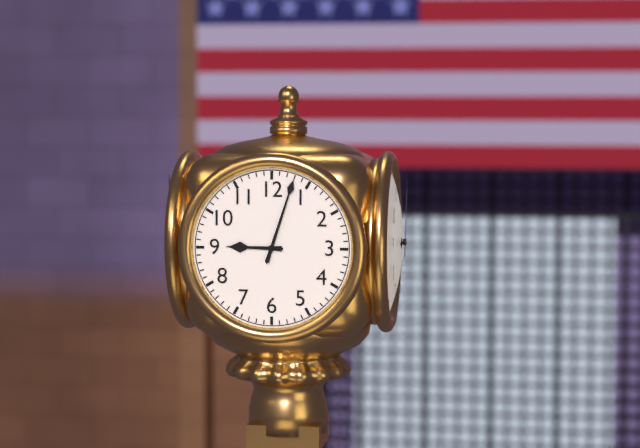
9.03
